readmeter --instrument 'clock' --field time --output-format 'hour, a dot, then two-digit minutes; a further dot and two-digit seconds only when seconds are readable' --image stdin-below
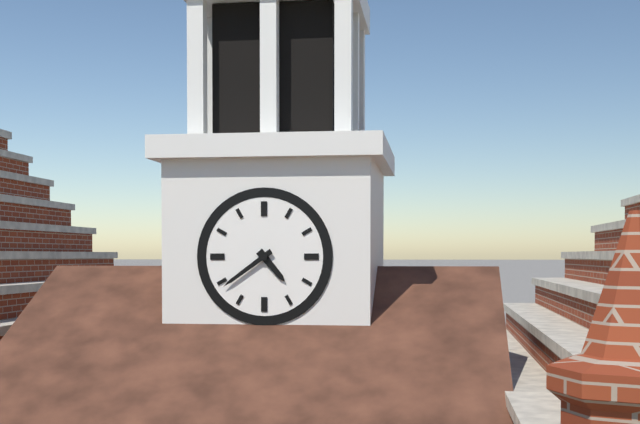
4.39
